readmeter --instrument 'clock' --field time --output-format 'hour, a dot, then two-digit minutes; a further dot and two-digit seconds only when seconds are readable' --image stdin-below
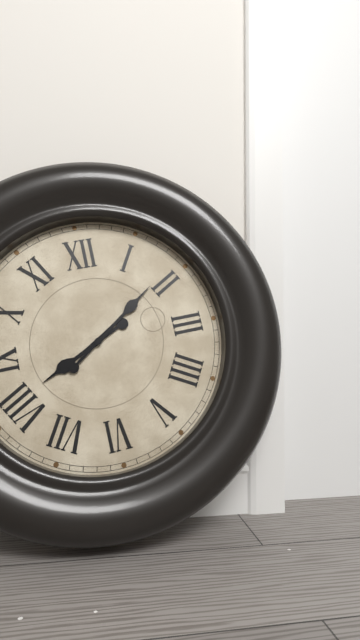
8.09
